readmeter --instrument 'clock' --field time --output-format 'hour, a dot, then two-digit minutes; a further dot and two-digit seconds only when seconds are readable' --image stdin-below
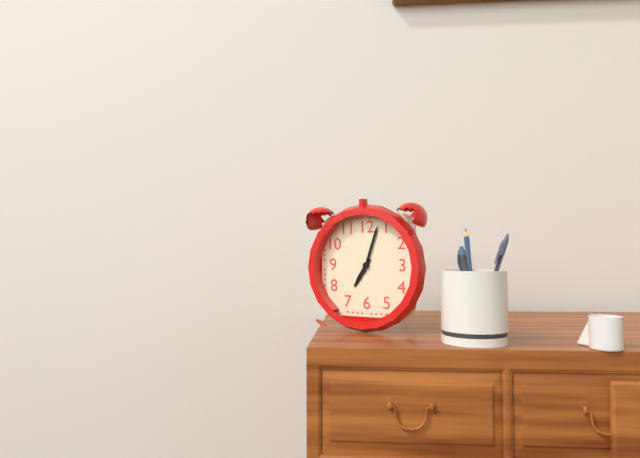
7.03
